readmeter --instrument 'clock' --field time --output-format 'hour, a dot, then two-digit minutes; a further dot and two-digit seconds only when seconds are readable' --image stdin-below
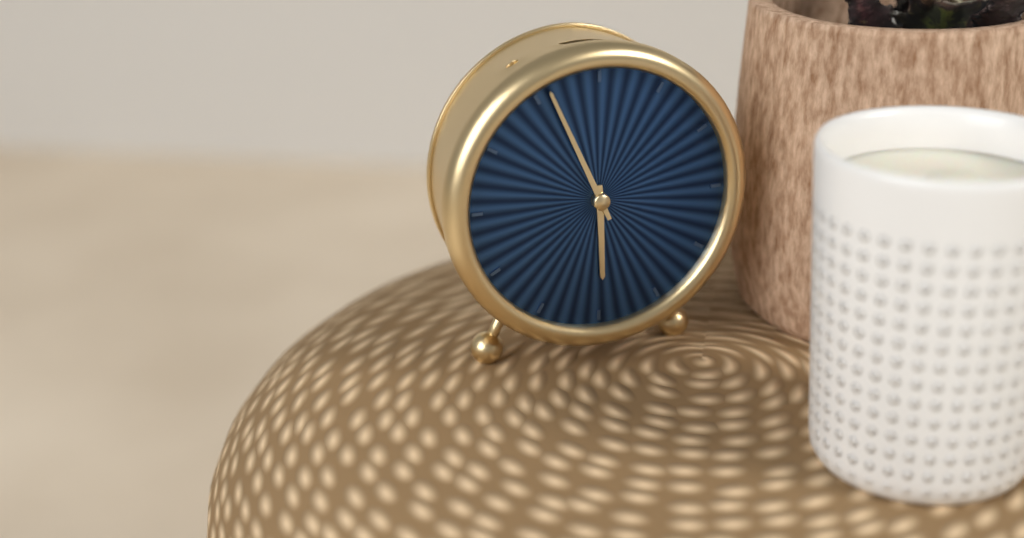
5.56
